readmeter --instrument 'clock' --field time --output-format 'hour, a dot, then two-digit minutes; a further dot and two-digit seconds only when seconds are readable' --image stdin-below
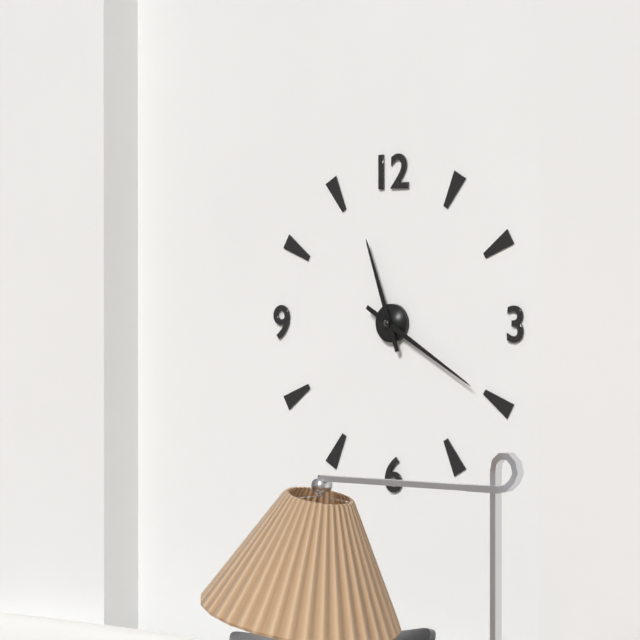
11.20
